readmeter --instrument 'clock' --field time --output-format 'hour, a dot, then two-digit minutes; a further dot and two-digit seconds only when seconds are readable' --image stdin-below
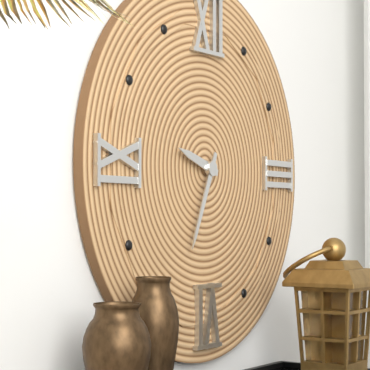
9.34
